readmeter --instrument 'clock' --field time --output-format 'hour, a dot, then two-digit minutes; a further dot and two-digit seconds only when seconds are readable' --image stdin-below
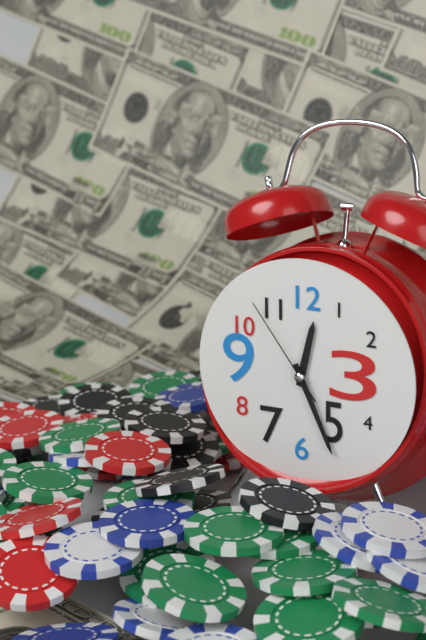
12.26.54
